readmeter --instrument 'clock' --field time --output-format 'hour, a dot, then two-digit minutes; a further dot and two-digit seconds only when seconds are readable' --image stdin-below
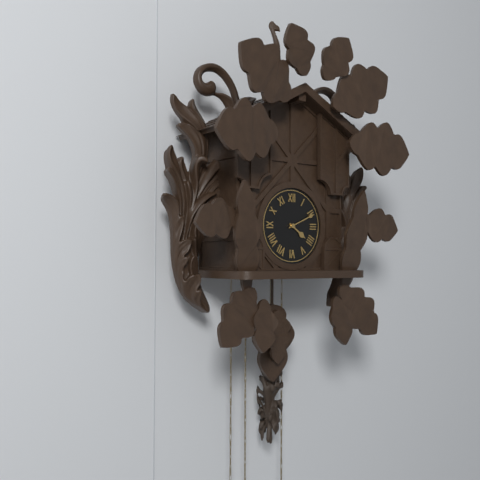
4.11
